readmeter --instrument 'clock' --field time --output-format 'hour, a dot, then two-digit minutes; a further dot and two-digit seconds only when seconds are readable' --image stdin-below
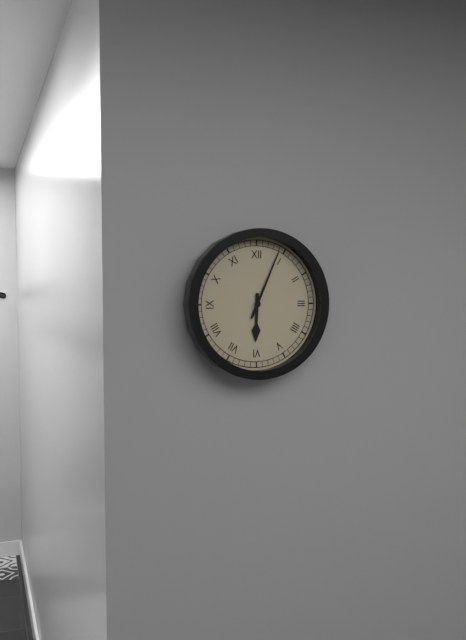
6.04
